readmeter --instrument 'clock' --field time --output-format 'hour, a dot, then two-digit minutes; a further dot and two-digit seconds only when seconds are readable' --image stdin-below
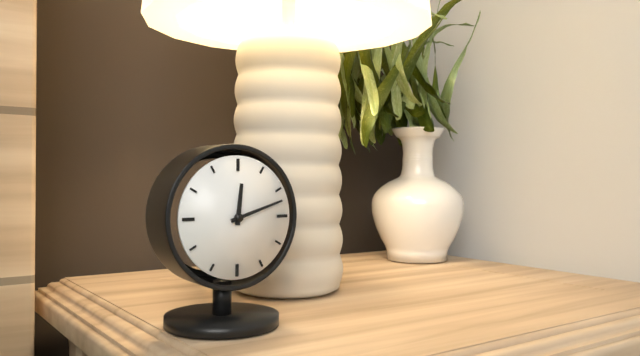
12.12
